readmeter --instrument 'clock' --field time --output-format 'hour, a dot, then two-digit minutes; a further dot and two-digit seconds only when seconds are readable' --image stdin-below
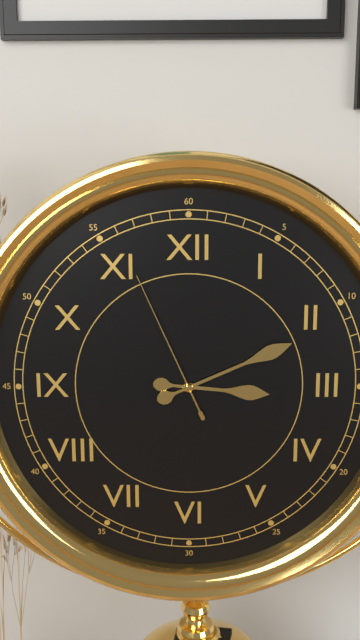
3.11.56
